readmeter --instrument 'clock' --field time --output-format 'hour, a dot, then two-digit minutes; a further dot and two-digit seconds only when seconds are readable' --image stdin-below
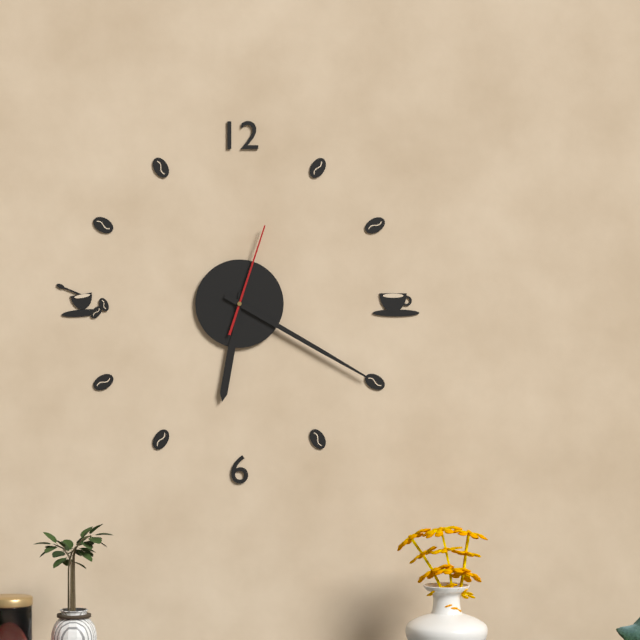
6.20.03
